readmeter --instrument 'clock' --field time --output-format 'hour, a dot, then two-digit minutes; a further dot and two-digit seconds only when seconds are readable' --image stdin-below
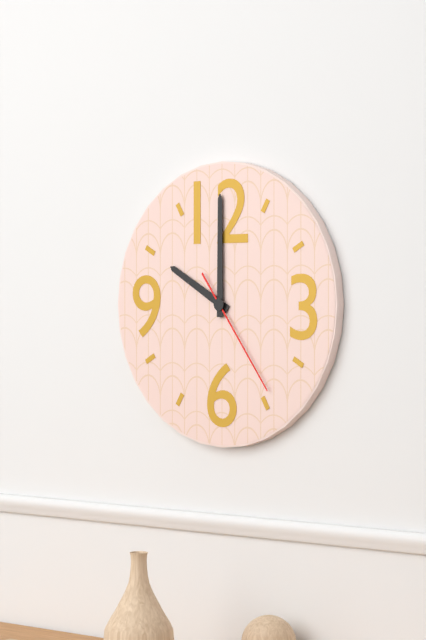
10.00.24
